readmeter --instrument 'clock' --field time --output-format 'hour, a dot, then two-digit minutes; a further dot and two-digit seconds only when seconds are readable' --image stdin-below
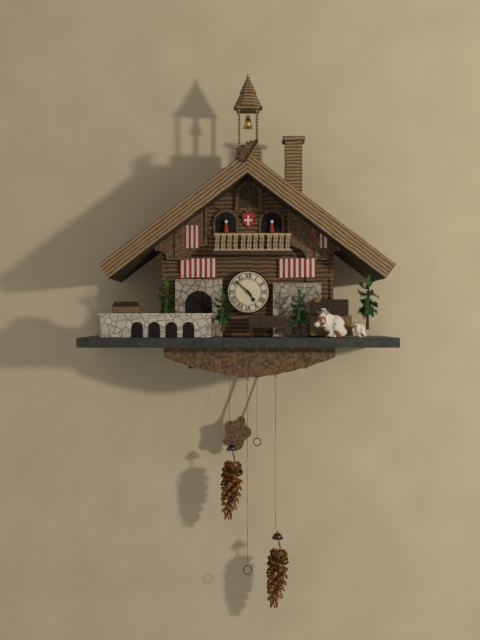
4.52
